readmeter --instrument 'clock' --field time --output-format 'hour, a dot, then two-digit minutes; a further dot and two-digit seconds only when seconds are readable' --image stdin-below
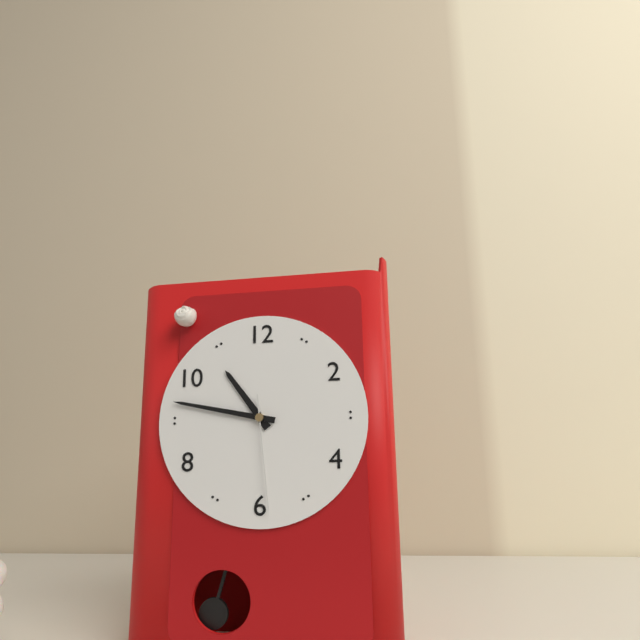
10.47.29
